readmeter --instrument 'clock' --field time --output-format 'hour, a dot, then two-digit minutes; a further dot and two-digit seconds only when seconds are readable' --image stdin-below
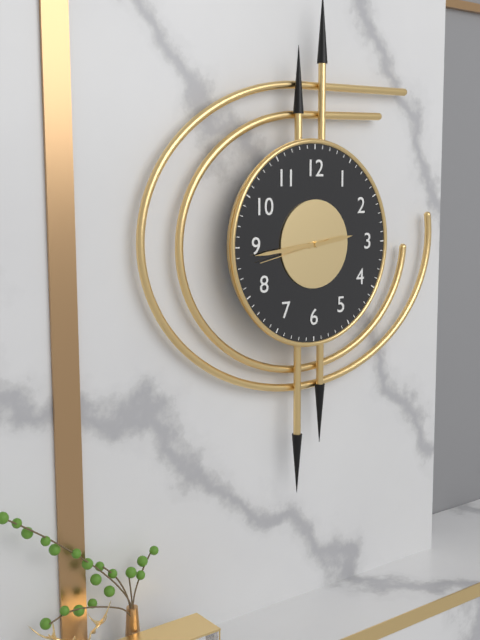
2.44.43
